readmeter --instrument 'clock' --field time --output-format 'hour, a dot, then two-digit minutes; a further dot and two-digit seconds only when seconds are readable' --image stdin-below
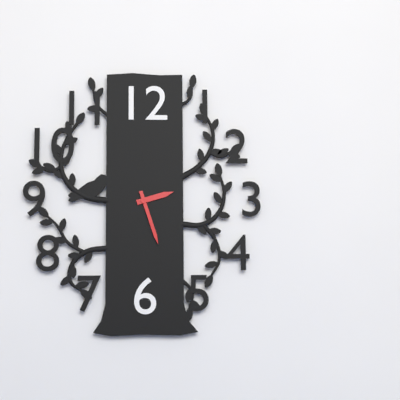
2.27
